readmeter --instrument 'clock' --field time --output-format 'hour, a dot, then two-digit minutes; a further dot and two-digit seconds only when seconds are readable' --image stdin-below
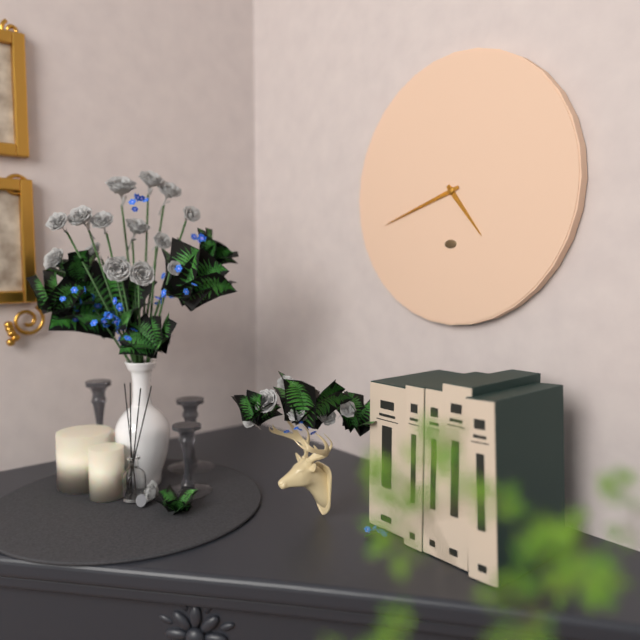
4.42
